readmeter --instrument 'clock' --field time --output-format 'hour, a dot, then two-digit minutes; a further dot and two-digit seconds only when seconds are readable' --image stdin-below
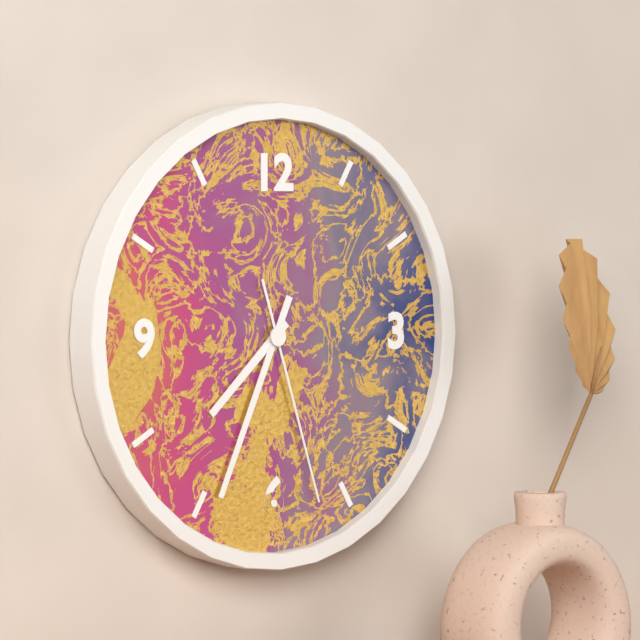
7.34.27
